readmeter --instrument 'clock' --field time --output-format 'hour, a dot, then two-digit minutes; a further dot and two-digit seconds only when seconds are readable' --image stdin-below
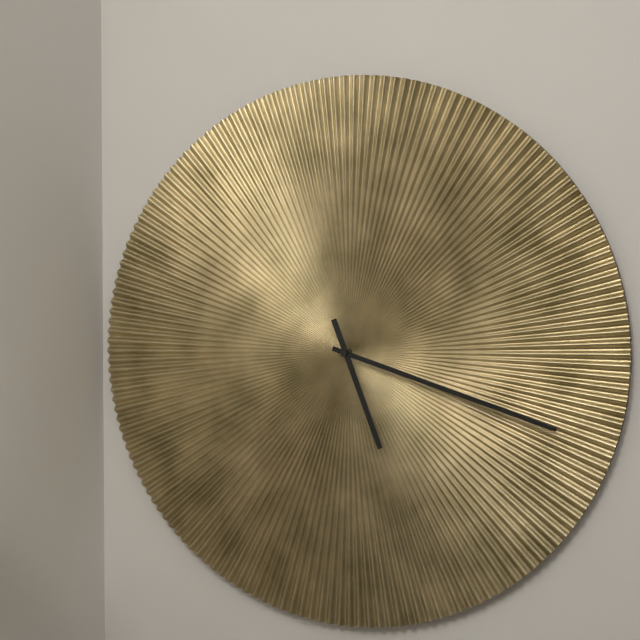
5.18
